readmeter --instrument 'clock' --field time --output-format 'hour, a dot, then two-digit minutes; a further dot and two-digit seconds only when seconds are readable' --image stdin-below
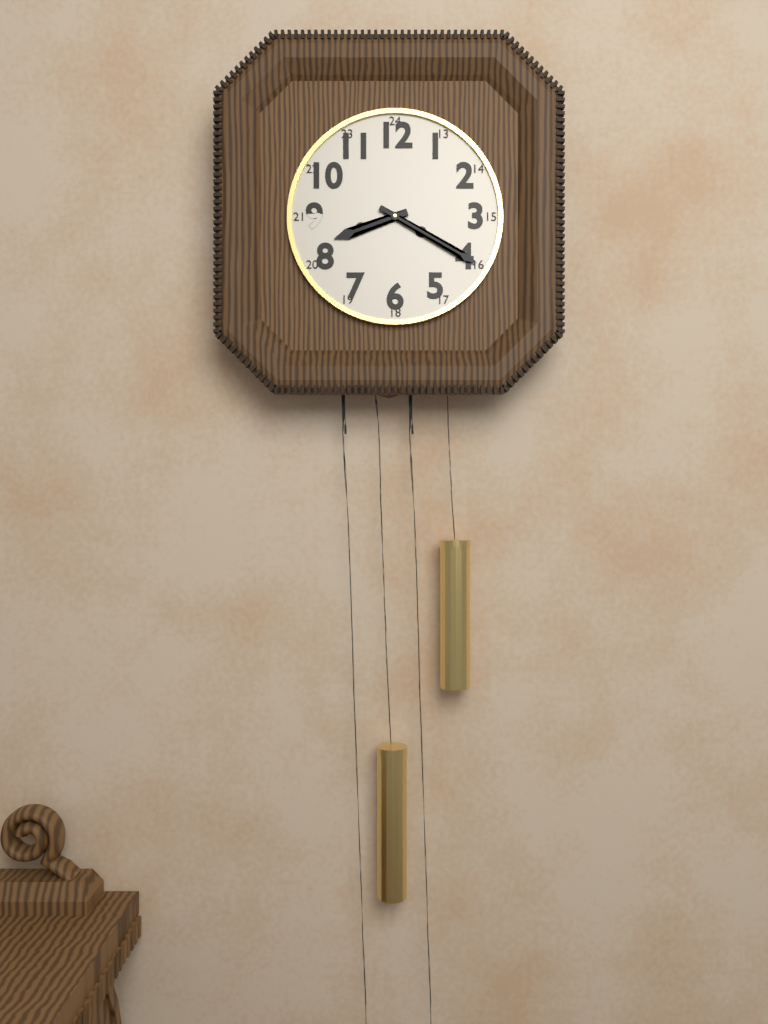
8.20
